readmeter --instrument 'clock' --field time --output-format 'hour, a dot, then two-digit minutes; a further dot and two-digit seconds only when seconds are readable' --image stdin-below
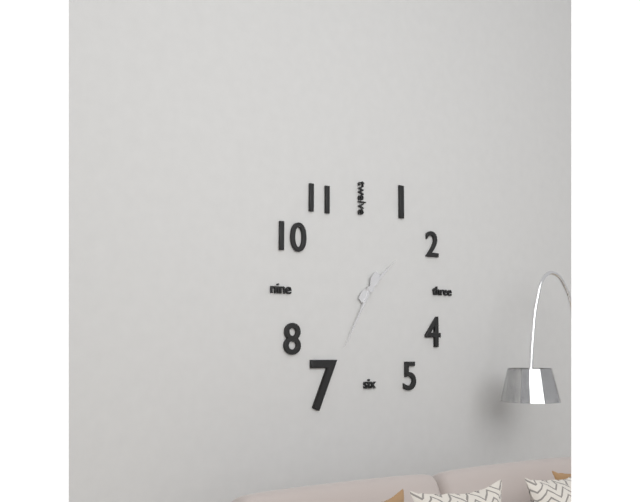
1.35
